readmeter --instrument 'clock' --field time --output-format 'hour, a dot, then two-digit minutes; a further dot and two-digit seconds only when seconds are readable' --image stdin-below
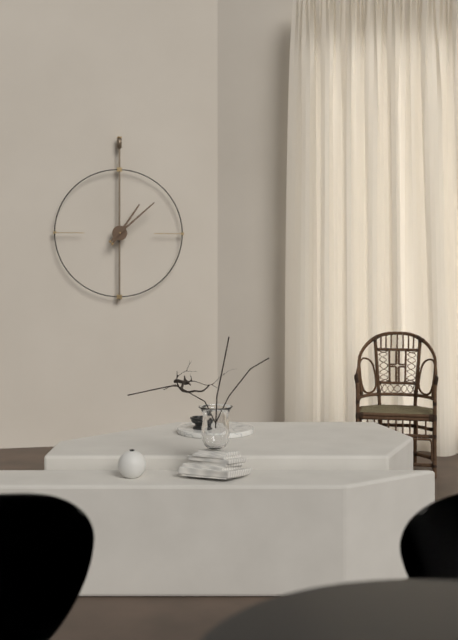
1.08
